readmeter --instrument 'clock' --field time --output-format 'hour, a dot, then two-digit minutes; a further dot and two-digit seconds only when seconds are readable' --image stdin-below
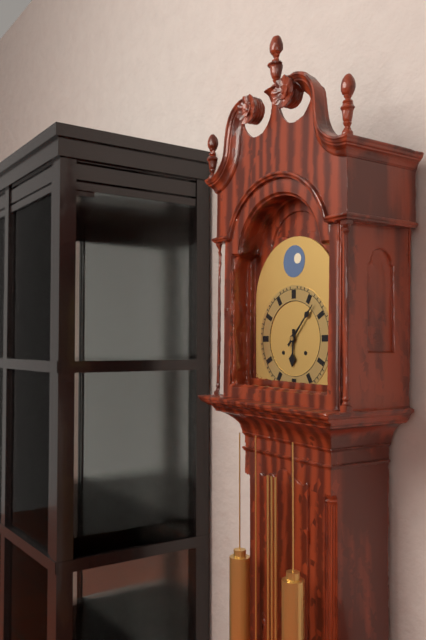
6.07
